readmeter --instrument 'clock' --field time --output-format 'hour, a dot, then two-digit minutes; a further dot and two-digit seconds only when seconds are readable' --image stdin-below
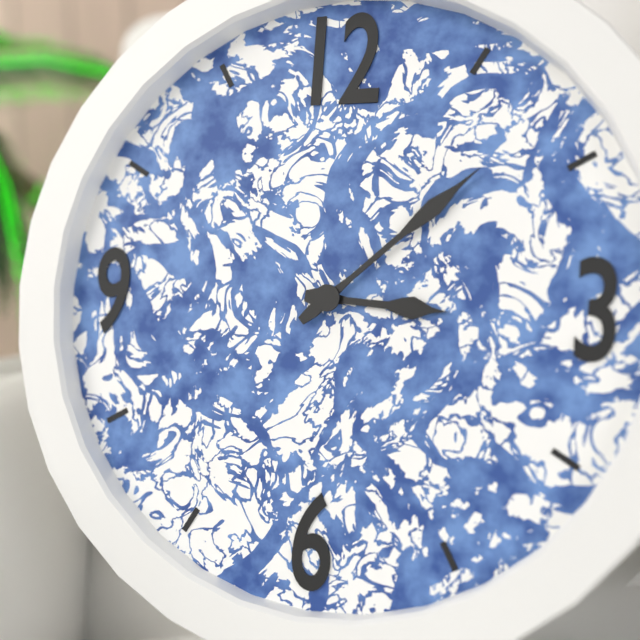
3.08
